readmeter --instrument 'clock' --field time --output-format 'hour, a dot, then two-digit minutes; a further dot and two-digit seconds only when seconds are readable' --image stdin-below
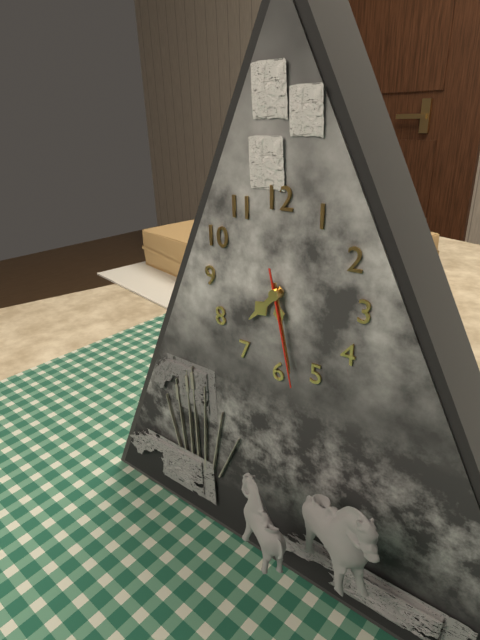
7.28.28
